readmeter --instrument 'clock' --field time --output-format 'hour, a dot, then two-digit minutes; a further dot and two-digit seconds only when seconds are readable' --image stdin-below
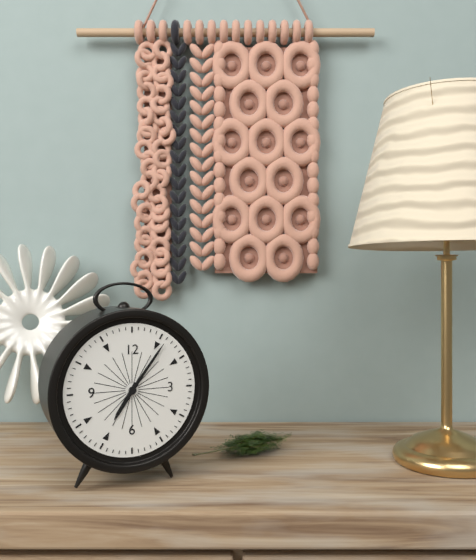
7.06
